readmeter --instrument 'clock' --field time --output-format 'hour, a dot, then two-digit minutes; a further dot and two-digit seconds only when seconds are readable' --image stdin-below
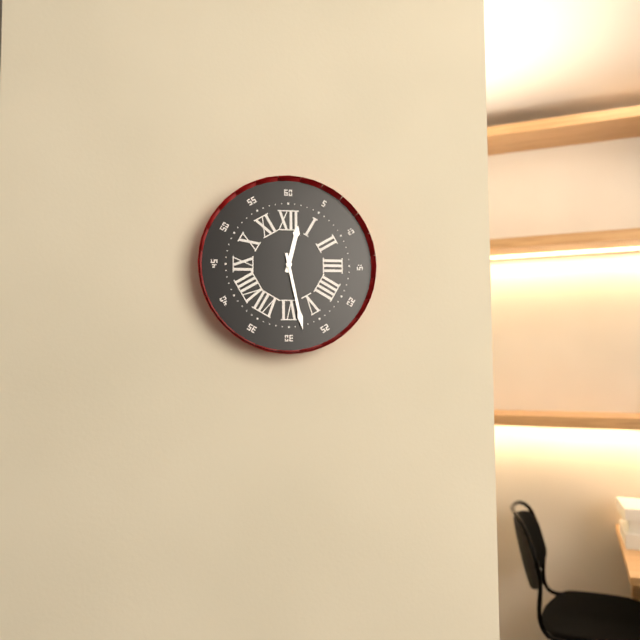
12.28
